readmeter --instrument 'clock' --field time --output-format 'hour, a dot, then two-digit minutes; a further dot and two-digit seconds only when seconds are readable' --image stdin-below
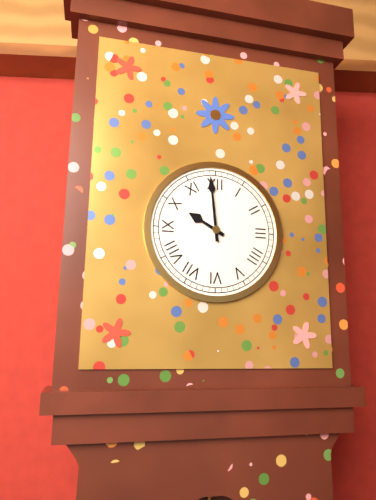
9.59
